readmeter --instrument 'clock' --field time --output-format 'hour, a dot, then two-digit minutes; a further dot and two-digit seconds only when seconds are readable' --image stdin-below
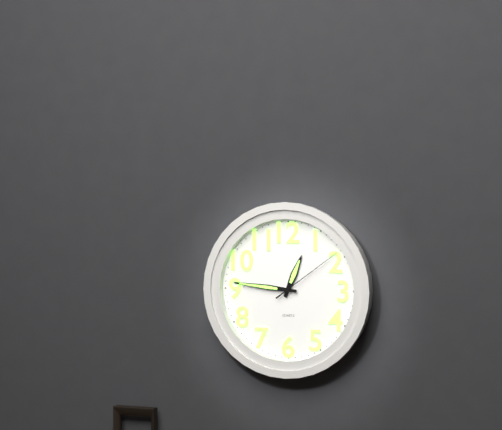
12.46.09
